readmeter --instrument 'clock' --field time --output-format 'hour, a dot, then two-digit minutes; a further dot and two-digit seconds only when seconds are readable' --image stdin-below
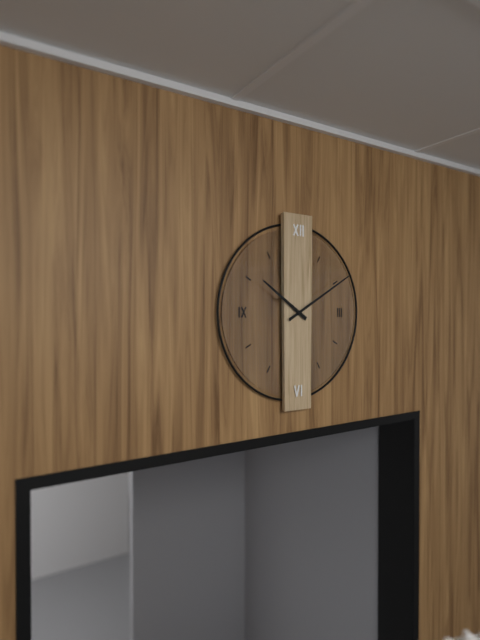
10.10
